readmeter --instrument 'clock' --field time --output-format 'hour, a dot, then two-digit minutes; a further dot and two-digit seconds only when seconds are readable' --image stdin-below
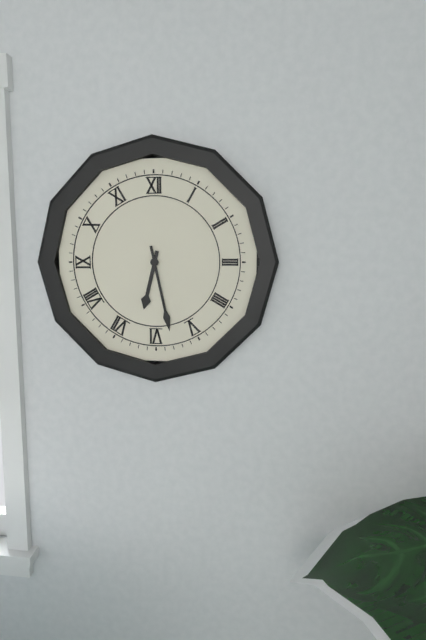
6.28
